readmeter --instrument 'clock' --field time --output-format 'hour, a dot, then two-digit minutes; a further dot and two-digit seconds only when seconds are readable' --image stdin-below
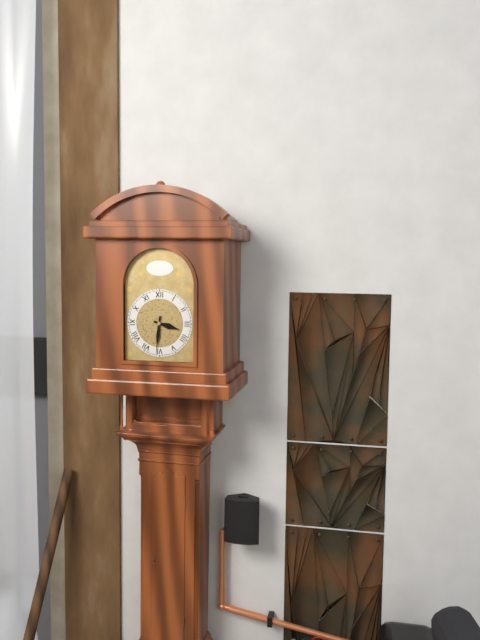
3.31
